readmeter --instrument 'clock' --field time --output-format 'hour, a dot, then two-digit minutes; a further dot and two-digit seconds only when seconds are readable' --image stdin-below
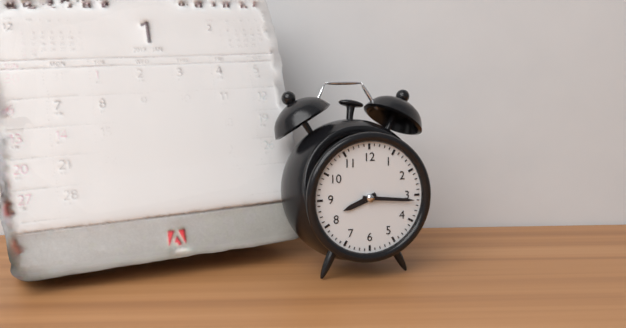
8.16
